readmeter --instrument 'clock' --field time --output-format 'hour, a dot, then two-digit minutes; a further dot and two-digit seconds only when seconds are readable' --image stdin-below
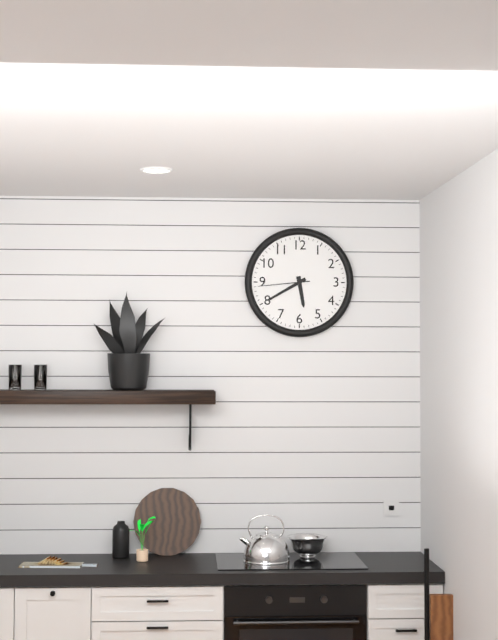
5.40.44
